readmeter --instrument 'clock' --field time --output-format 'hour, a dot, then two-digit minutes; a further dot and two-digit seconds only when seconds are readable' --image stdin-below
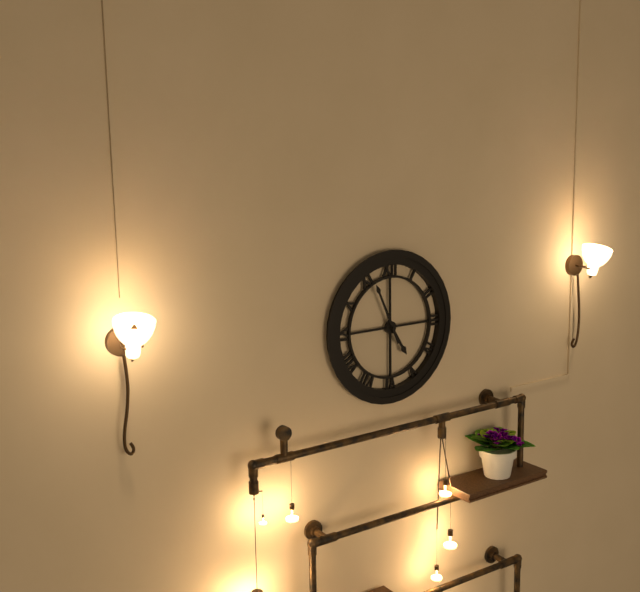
4.56
